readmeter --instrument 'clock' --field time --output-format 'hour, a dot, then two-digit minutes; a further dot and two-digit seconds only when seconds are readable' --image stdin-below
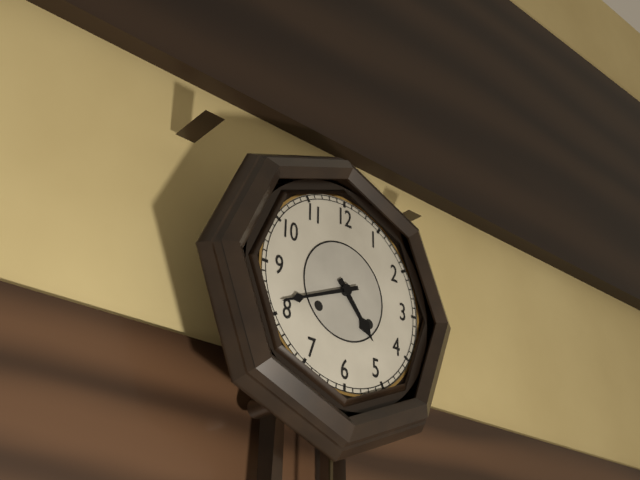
4.41
